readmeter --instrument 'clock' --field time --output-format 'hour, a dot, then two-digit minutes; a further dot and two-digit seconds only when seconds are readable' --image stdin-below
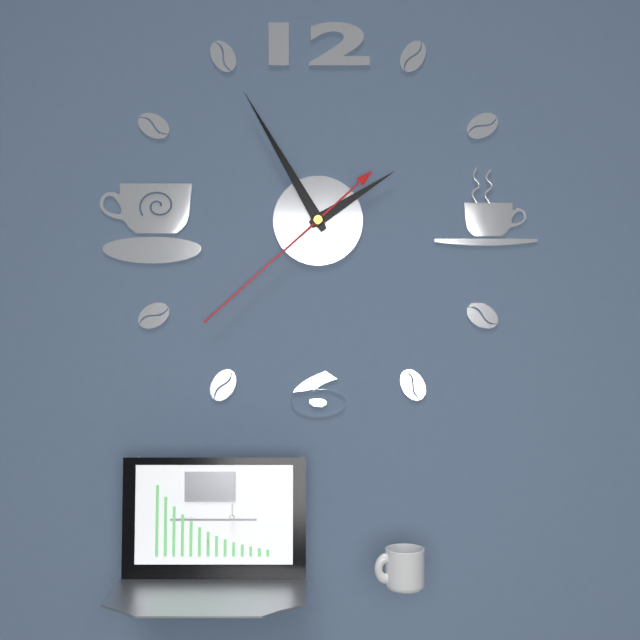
1.55.38
